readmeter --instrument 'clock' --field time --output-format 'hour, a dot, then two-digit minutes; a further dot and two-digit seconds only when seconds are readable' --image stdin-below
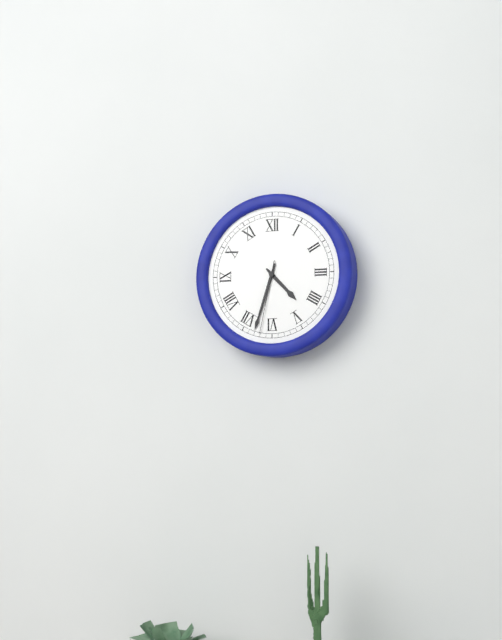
4.33.32
